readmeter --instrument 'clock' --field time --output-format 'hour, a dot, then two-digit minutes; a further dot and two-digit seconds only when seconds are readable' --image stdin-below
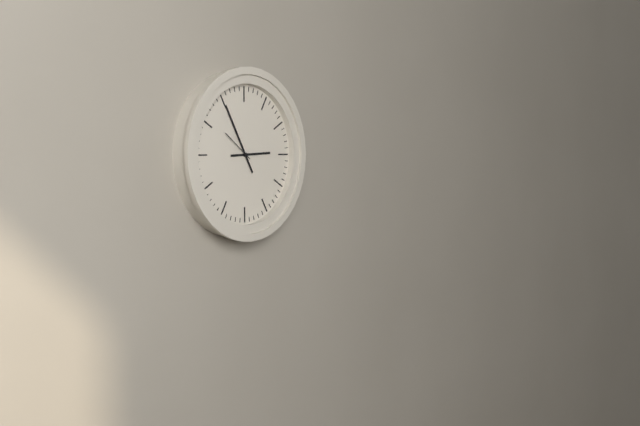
2.55
